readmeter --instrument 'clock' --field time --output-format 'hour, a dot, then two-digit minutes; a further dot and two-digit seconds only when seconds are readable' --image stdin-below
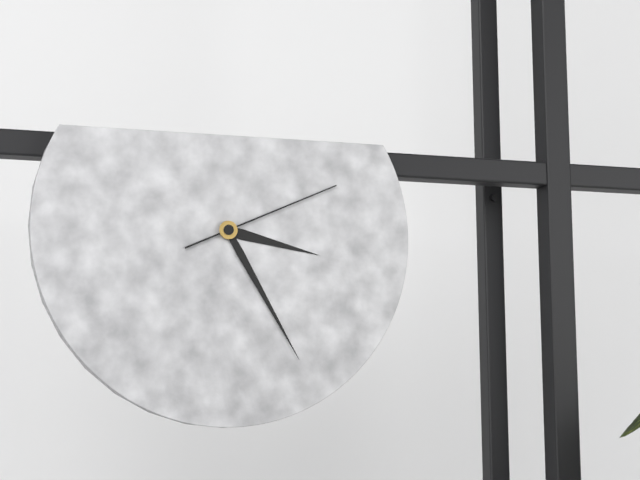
3.25.11
